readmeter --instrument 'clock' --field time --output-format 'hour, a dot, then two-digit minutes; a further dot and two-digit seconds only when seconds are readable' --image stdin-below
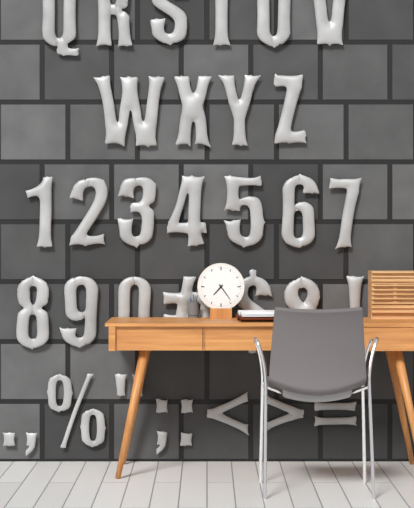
7.24
